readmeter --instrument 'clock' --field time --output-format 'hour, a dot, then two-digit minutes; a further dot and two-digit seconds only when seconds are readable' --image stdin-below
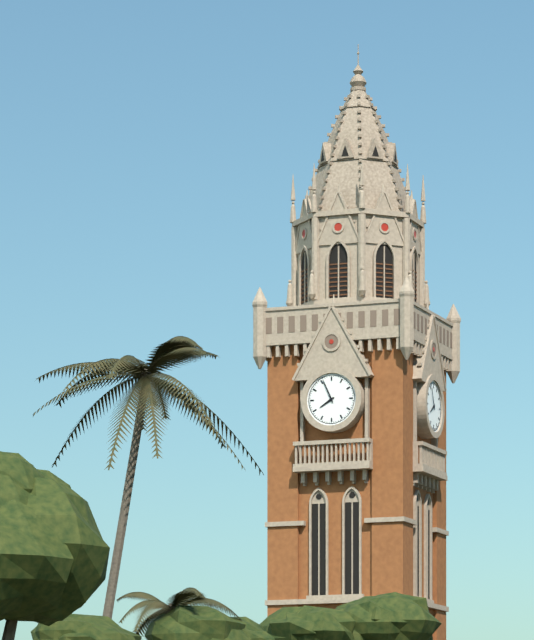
7.56
